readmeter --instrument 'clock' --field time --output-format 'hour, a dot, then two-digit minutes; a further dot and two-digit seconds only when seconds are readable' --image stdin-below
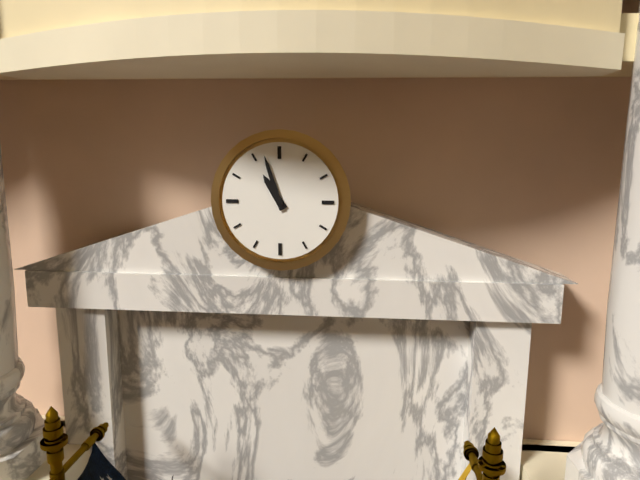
10.57
